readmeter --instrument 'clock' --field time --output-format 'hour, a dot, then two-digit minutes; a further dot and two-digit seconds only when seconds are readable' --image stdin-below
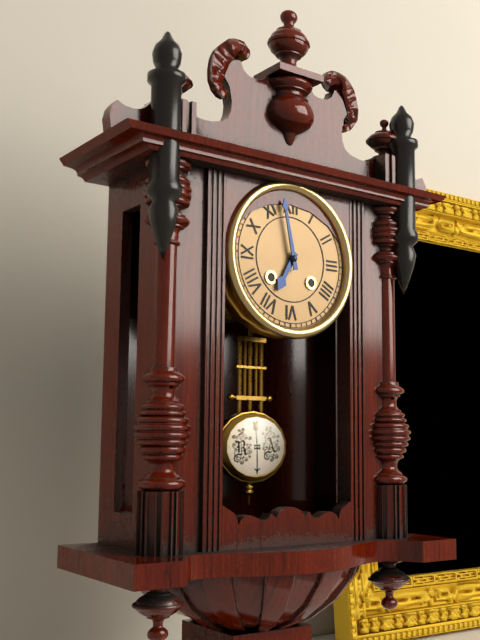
6.58
